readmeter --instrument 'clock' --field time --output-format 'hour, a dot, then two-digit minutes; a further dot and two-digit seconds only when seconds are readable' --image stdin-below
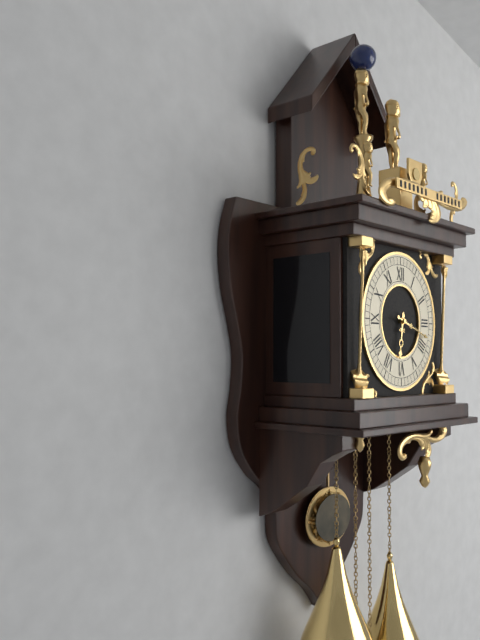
6.18
